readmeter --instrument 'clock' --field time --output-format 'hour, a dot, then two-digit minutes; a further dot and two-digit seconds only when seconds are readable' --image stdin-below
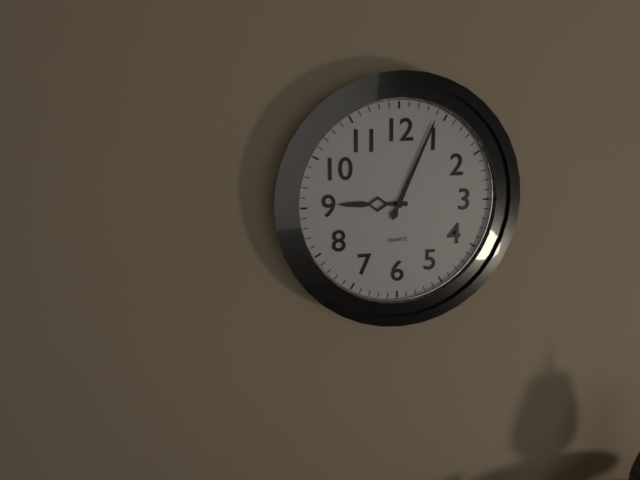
9.04
